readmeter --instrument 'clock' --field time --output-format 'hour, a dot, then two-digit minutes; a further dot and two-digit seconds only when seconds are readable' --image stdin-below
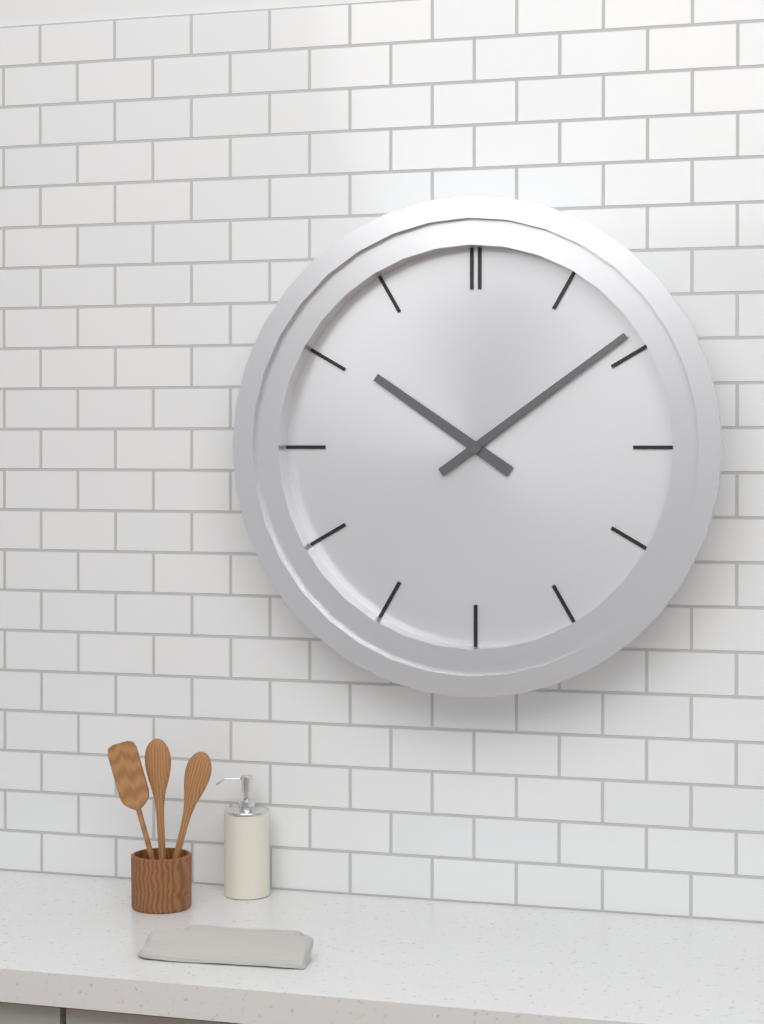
10.09
